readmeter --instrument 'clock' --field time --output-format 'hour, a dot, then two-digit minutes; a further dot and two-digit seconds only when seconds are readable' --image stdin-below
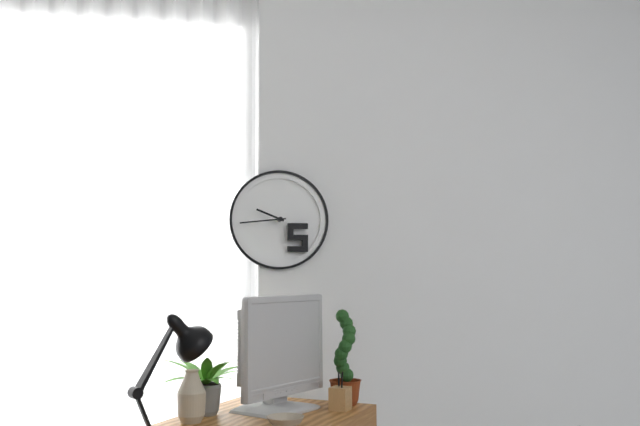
9.44
